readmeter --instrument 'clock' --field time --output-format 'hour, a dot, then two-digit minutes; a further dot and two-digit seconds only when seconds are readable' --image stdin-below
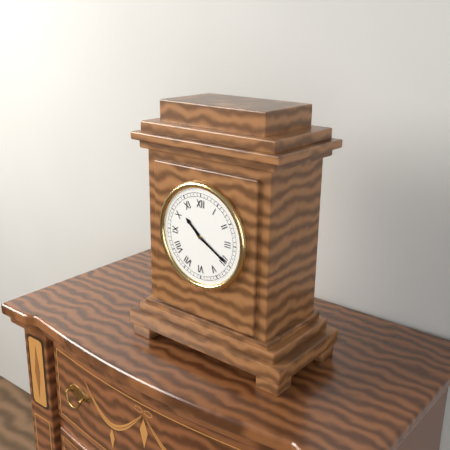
10.20
